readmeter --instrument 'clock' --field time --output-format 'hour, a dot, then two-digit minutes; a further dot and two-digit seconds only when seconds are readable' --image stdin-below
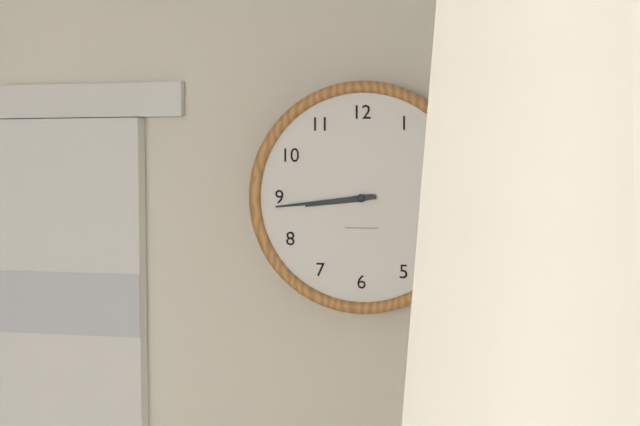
8.44
